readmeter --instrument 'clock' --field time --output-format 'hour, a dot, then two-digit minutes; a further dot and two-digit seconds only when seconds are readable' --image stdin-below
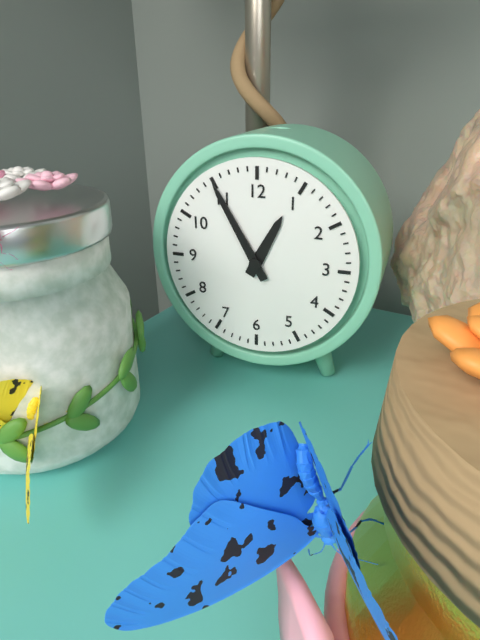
12.55
